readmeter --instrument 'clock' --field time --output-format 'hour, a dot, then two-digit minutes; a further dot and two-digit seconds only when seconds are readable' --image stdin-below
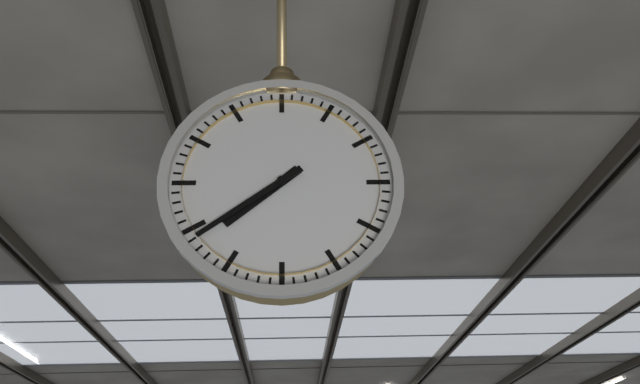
7.39
